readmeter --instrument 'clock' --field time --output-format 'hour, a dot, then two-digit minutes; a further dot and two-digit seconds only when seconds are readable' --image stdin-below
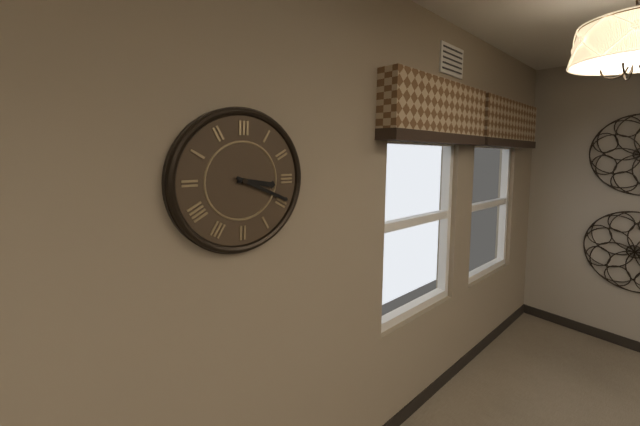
3.19
